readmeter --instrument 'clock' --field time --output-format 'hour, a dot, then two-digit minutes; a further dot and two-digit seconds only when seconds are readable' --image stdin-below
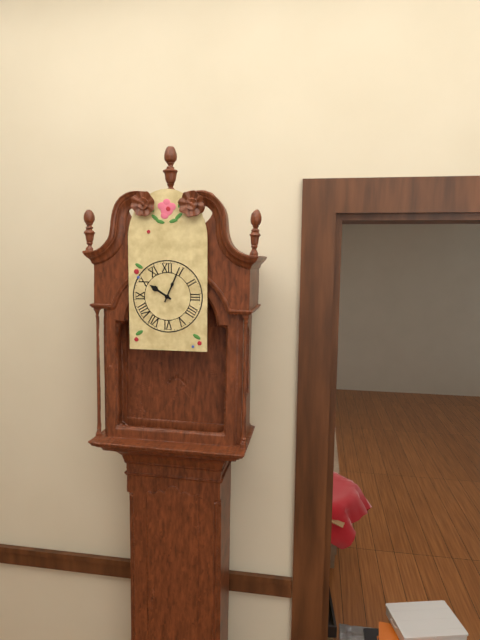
10.04
